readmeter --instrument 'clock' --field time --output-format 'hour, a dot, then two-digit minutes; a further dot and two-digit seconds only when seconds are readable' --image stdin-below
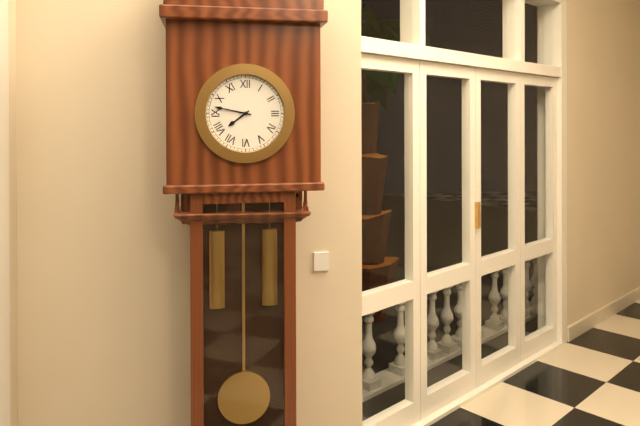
7.47
